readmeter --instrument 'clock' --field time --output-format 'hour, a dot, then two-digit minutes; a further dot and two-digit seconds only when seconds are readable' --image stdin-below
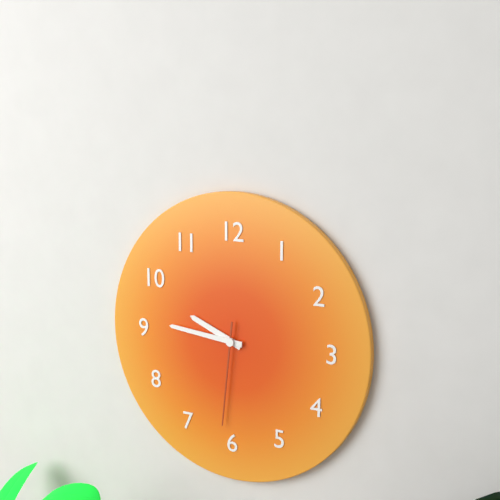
9.46.31
